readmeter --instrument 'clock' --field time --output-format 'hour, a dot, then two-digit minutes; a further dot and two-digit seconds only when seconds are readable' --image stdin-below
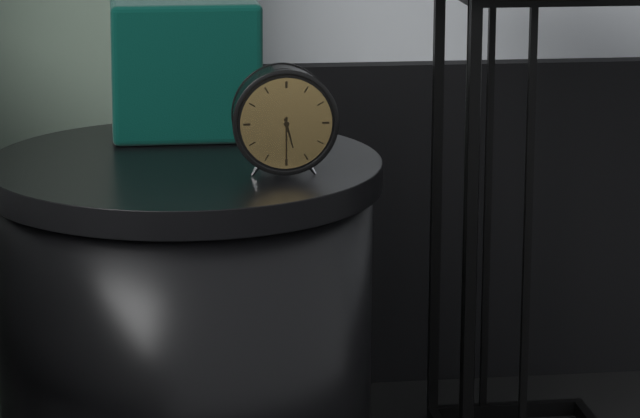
5.30
